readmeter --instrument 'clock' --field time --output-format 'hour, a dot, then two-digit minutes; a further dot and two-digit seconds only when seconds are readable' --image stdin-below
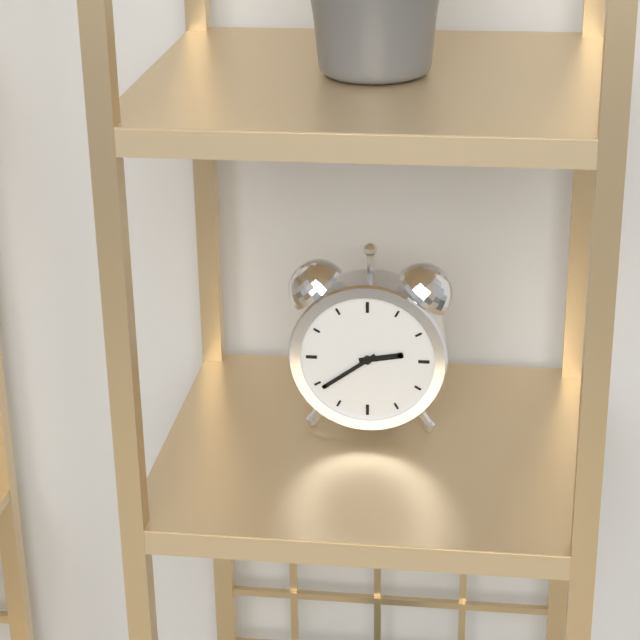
2.39
